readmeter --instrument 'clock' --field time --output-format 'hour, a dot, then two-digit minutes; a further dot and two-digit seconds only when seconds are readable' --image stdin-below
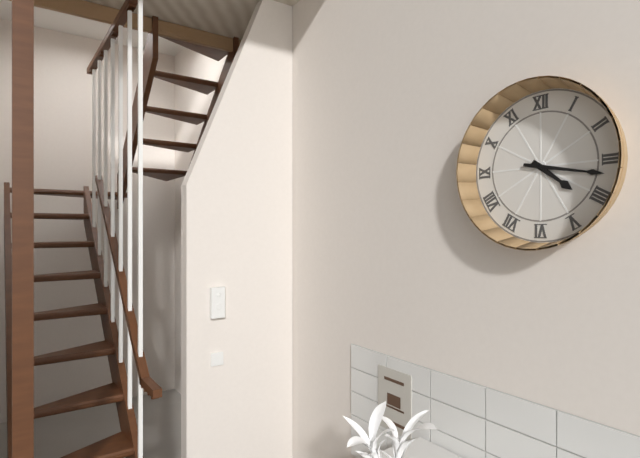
4.17
